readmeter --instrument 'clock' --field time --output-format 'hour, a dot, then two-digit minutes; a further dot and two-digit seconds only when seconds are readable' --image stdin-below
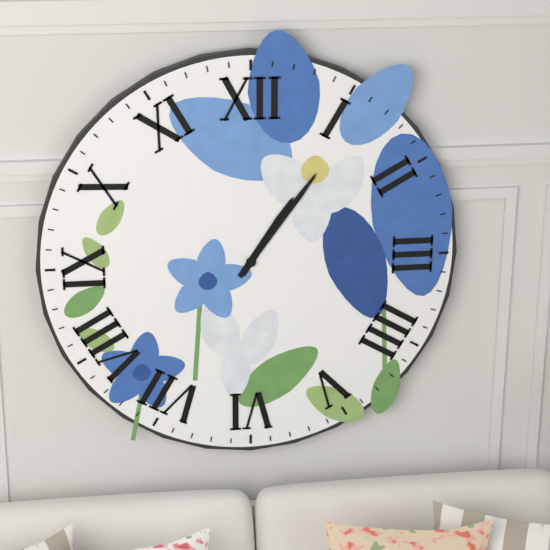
1.06
